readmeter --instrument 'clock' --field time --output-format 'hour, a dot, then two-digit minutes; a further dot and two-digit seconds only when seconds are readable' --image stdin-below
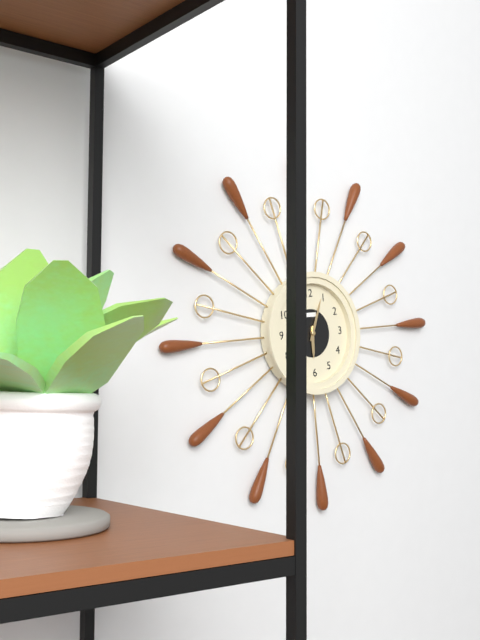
6.04
